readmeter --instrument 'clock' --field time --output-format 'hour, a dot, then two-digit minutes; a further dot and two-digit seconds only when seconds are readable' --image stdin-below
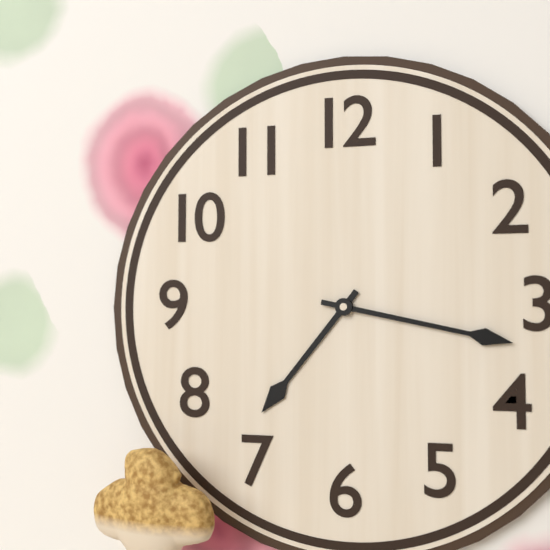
7.17
